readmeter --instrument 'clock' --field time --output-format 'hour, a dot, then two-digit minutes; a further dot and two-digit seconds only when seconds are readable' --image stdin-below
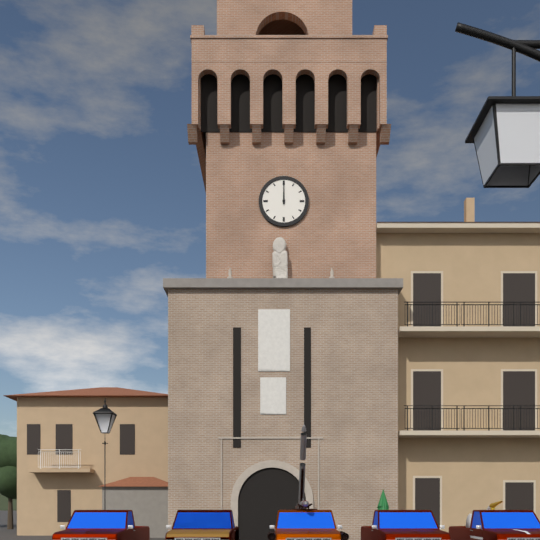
12.00
